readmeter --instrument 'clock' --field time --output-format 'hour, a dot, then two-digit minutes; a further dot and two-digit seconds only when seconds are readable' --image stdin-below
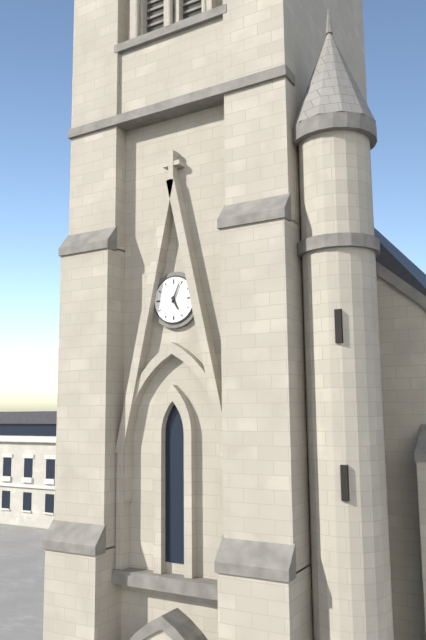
5.04
